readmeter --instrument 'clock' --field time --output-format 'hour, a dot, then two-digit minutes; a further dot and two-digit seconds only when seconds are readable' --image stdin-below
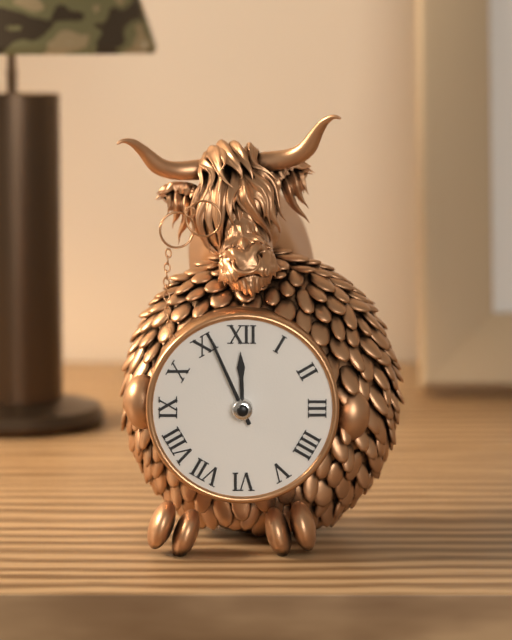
11.56
